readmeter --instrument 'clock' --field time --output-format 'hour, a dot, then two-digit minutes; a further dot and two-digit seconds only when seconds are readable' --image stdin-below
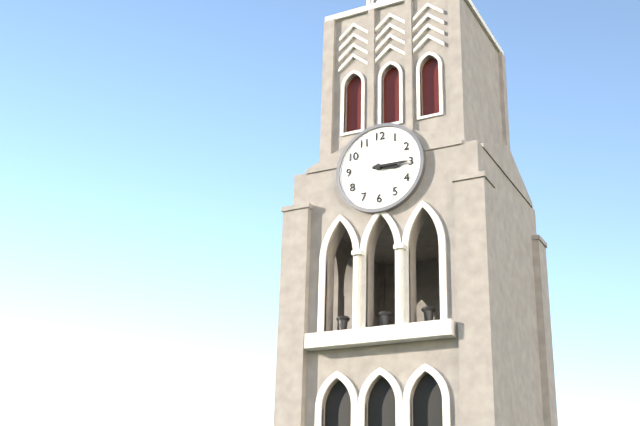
3.15
